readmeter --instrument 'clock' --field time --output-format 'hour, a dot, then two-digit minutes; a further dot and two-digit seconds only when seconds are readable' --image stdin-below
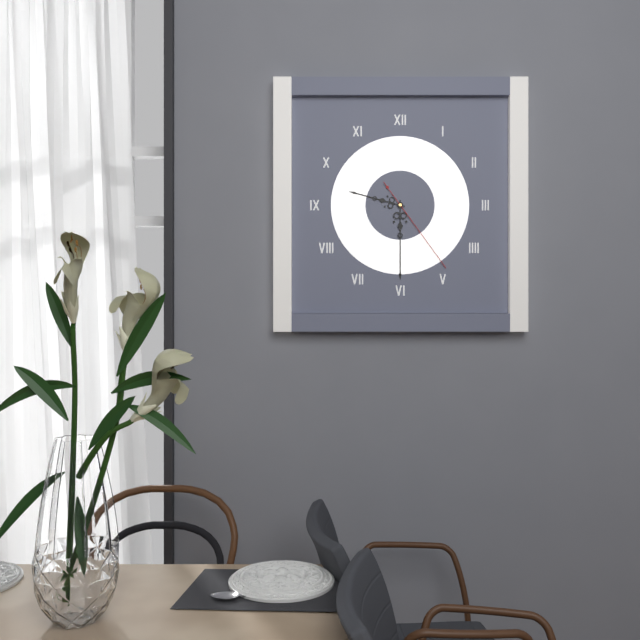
9.30.24
